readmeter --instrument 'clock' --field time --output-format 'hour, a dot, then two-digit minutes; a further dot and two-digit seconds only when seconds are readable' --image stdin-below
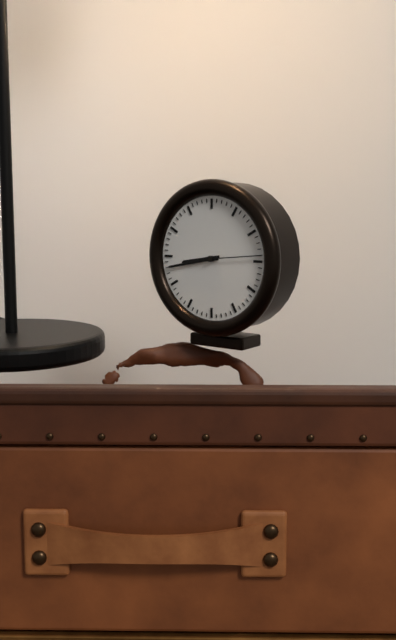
8.43.14
